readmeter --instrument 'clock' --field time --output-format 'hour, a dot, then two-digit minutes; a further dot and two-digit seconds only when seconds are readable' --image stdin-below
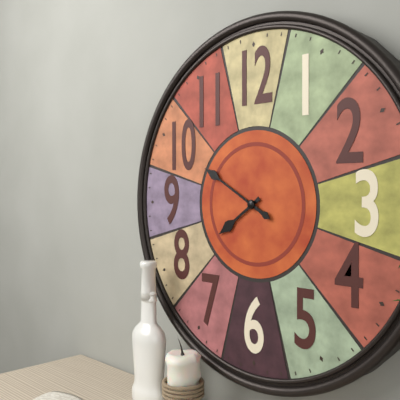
7.50
